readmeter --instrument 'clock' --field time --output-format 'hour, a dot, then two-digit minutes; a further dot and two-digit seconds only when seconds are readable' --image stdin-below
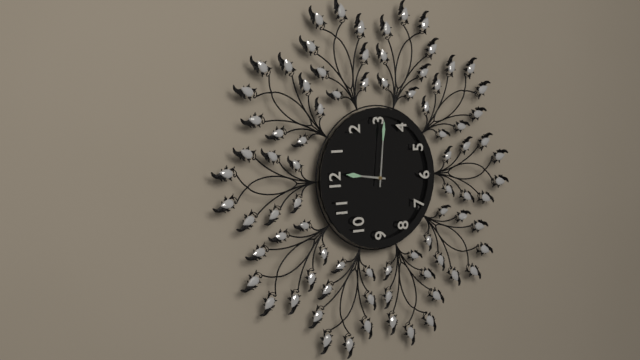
12.16
